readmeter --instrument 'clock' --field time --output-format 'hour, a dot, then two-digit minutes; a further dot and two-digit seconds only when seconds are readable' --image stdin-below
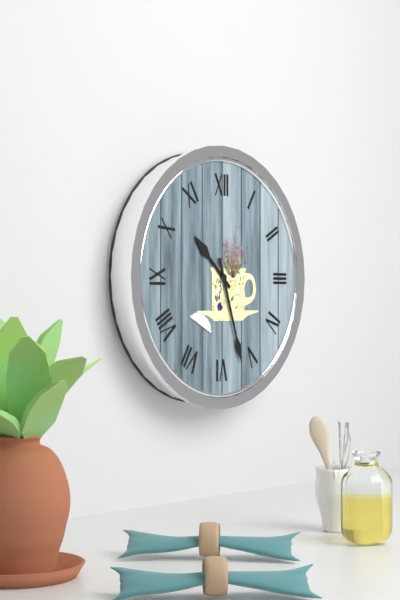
10.27
